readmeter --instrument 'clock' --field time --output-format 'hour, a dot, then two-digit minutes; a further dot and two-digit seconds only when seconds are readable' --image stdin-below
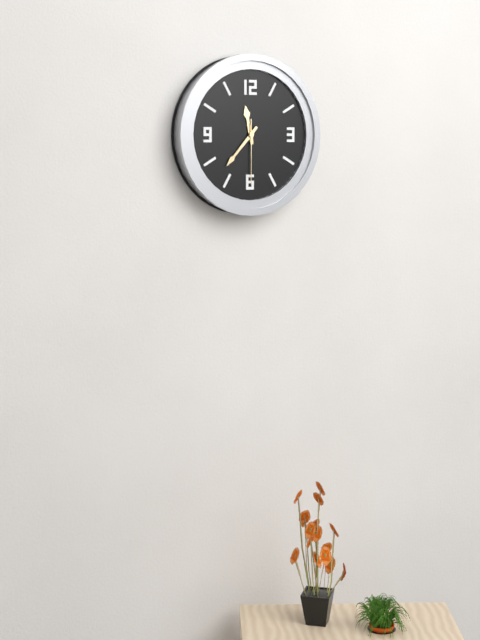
11.37.30
